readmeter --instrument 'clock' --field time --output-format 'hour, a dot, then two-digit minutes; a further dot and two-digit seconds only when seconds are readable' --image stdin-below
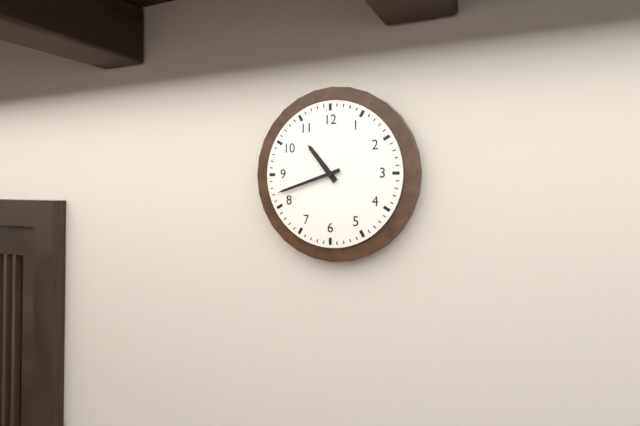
10.42
